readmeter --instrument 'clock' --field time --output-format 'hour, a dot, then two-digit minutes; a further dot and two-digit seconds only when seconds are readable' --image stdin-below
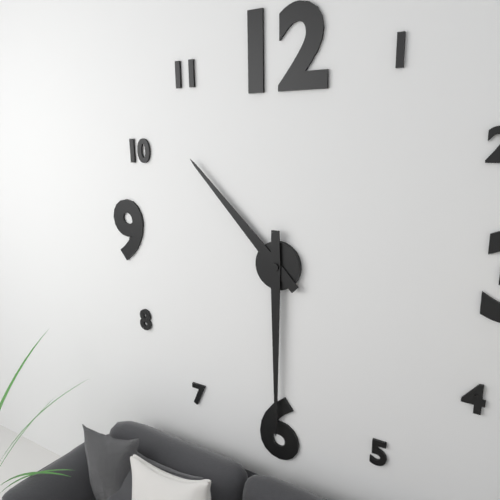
10.30
